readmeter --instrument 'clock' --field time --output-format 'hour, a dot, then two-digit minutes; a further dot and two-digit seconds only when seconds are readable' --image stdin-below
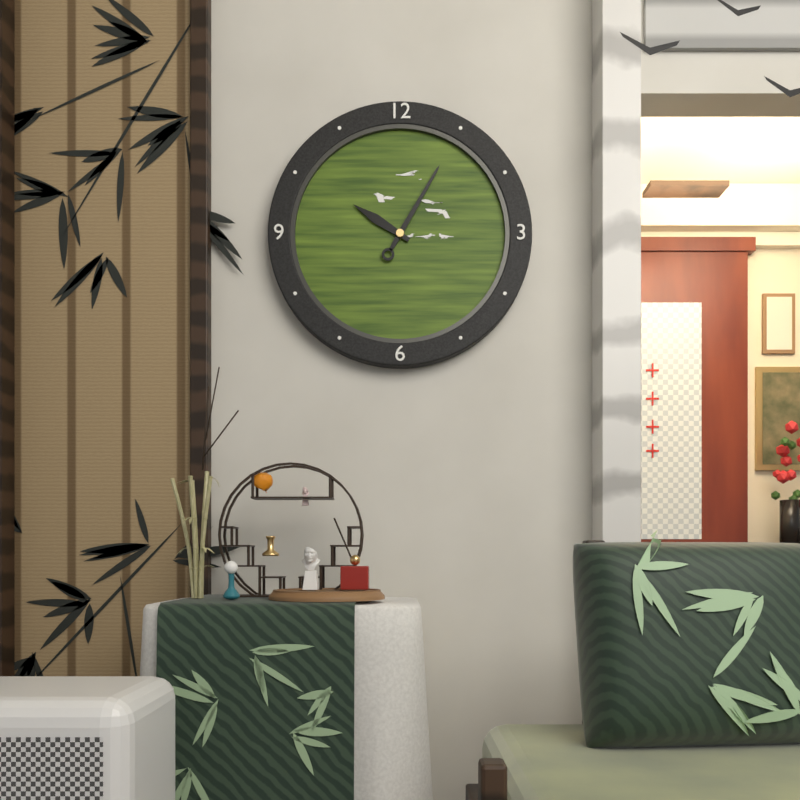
10.05
